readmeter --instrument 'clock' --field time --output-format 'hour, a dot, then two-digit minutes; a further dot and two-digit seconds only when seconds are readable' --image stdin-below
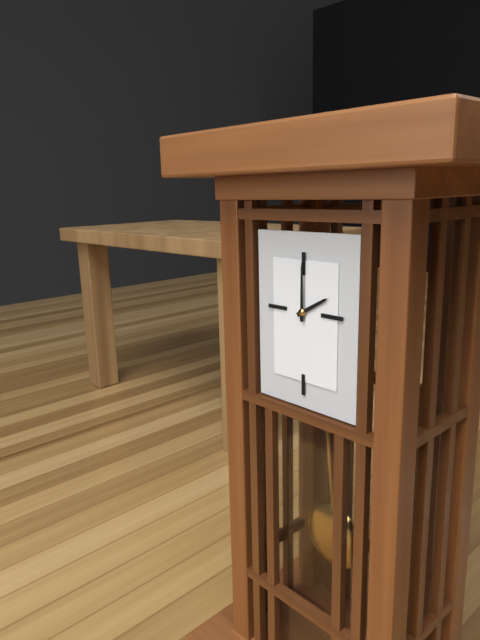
2.00
